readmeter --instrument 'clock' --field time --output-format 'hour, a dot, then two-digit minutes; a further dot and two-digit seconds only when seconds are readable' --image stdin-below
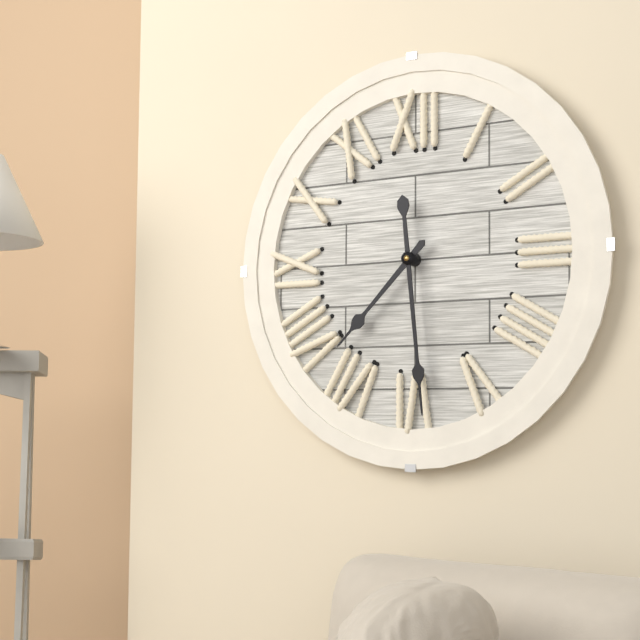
7.29
